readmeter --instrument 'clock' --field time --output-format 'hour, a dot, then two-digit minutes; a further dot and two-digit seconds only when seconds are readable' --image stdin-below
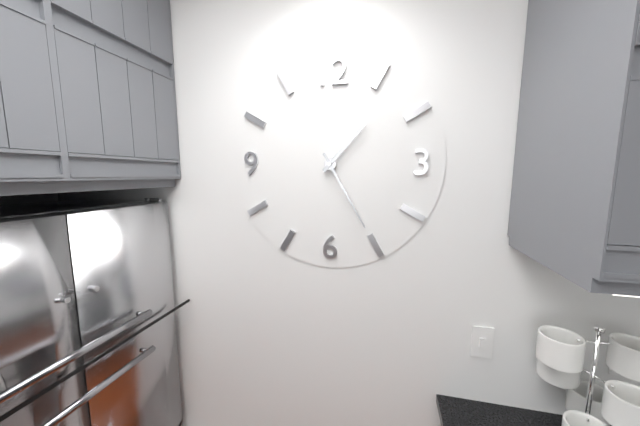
1.25
